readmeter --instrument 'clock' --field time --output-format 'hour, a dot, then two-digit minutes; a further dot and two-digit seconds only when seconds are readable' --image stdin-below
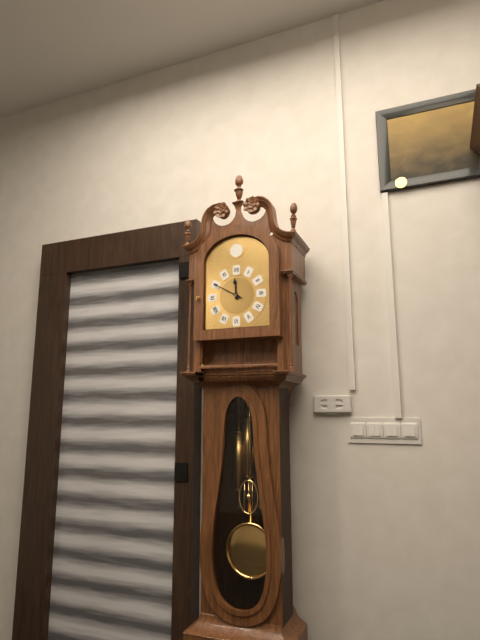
11.50
